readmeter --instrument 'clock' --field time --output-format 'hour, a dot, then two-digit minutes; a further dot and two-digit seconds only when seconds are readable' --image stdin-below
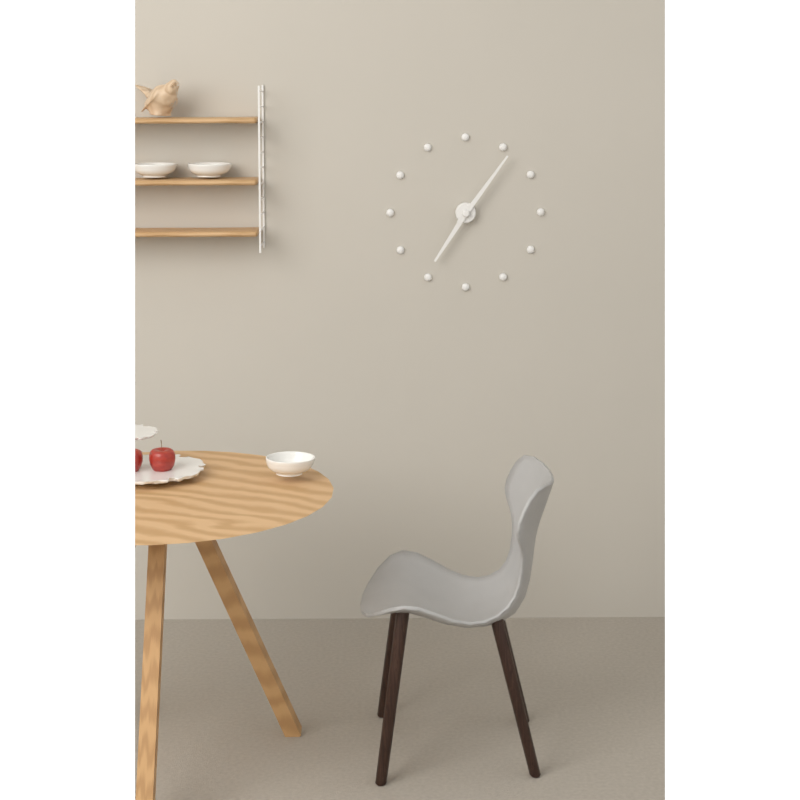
7.06
